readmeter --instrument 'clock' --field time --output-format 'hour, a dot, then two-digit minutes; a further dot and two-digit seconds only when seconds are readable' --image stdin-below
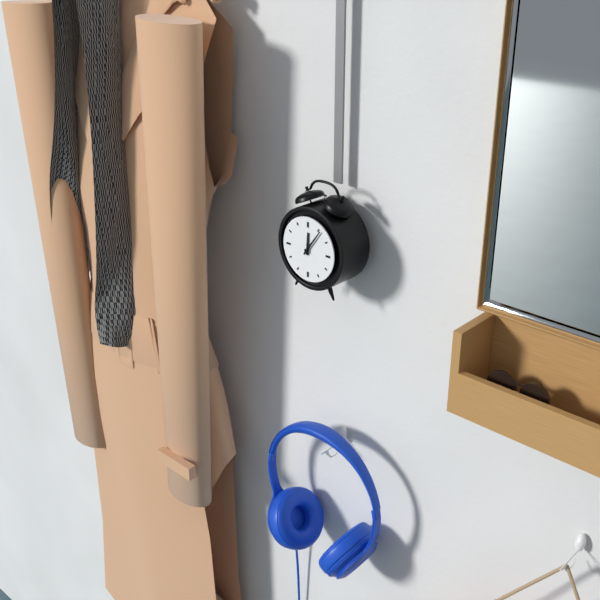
12.06
